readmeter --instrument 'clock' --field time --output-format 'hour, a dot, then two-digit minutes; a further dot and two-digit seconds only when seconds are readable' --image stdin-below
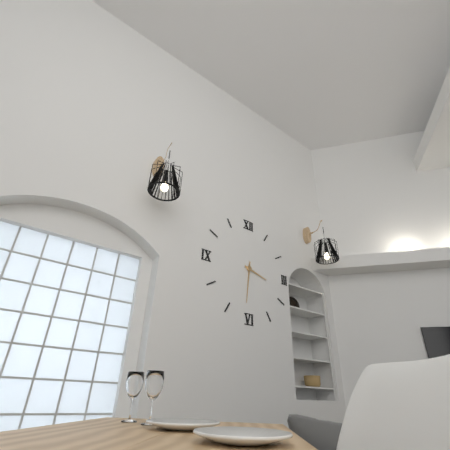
3.31
